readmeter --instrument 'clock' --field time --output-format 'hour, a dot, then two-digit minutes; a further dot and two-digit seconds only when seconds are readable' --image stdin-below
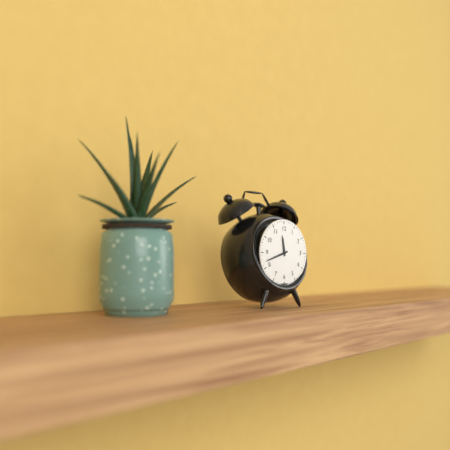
11.42
